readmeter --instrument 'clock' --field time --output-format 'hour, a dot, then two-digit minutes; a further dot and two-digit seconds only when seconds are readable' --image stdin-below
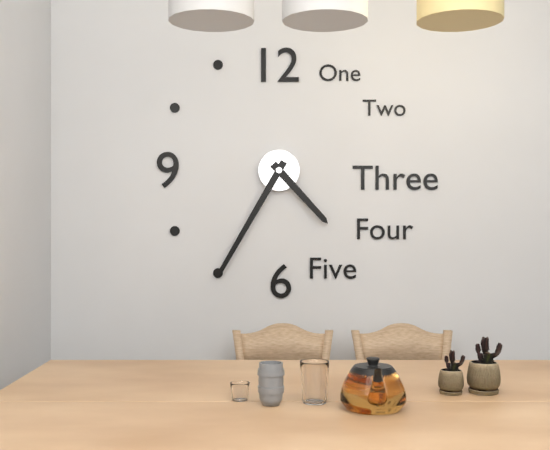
4.35
